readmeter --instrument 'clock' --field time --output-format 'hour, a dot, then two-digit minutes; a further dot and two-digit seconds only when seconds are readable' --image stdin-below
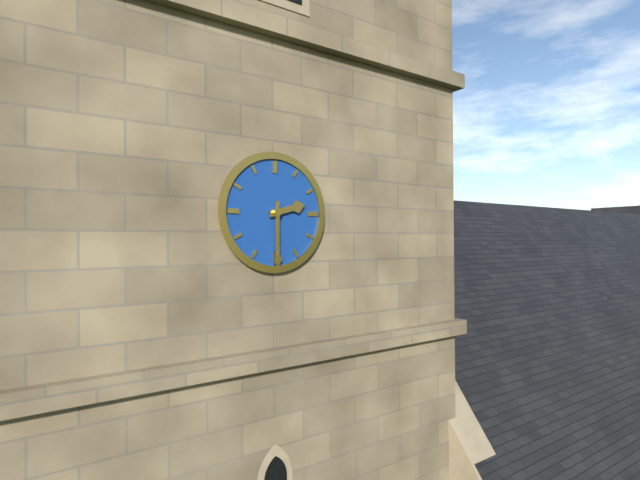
2.30
